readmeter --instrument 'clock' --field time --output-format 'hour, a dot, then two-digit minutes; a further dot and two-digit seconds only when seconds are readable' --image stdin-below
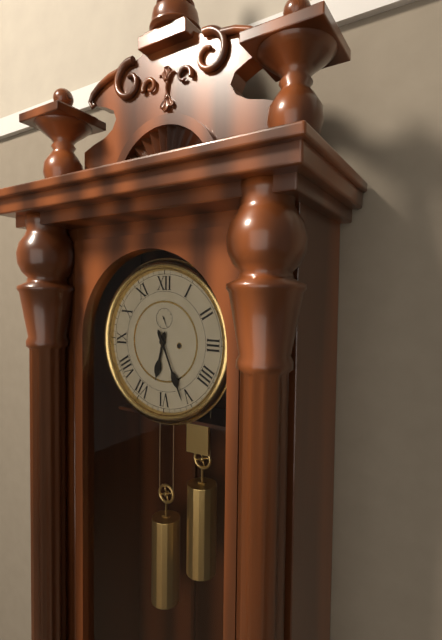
6.26
